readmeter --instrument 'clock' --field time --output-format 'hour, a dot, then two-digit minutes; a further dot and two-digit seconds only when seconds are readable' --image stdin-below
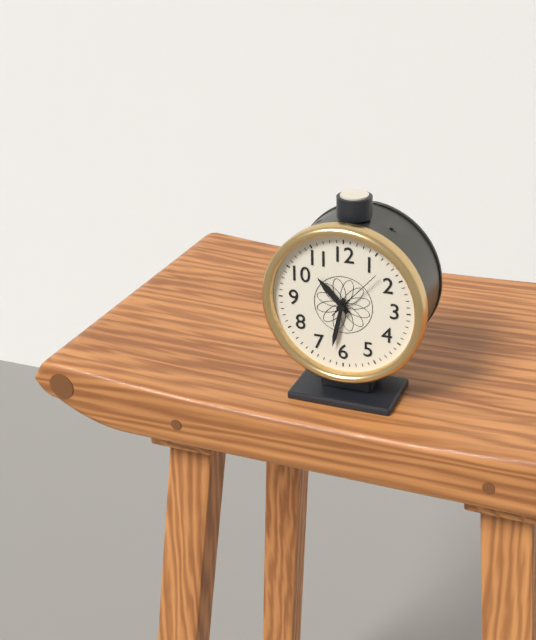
10.32.07
